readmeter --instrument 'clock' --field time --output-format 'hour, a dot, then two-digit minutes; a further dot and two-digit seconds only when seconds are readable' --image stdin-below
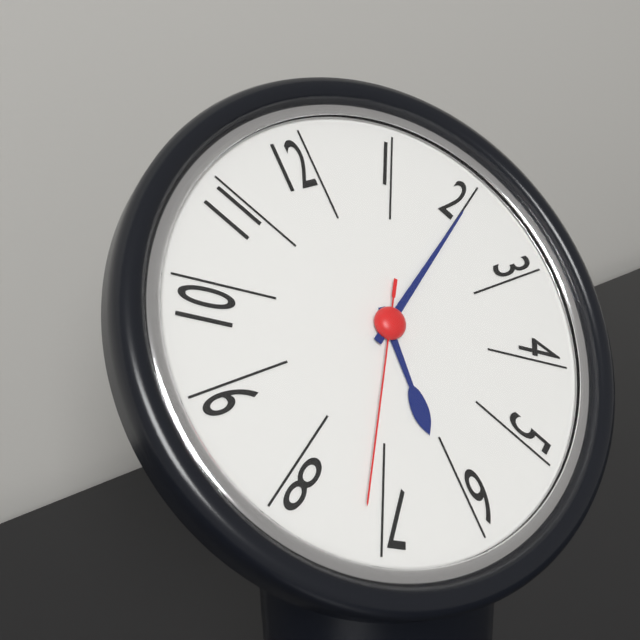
6.10.36
